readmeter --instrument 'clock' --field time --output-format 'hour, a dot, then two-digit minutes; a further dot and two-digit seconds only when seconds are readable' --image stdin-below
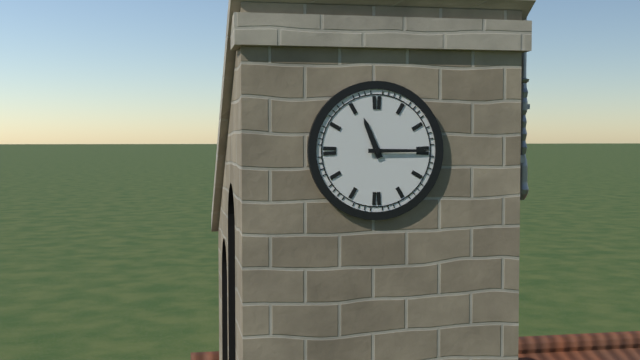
11.15
